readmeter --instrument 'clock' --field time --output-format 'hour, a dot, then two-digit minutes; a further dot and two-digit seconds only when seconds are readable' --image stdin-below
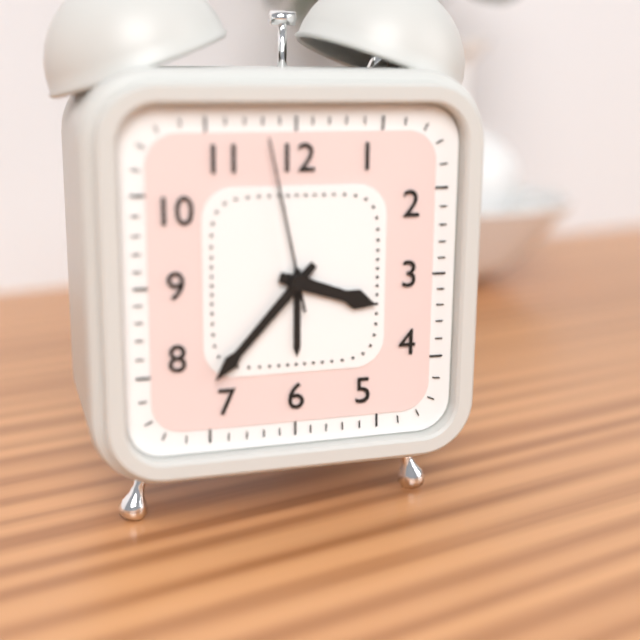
3.37.58
